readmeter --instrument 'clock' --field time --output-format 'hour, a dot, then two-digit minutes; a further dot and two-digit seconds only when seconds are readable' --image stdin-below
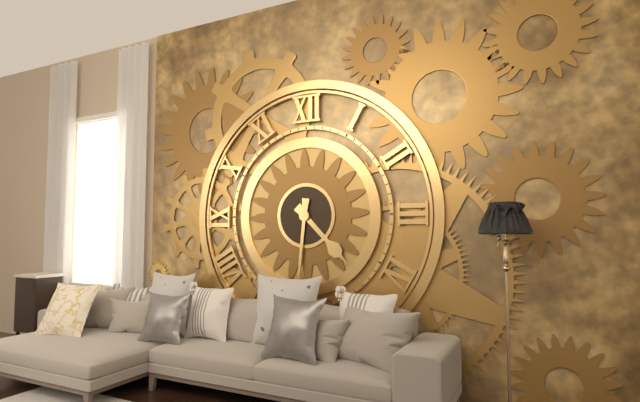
4.31
